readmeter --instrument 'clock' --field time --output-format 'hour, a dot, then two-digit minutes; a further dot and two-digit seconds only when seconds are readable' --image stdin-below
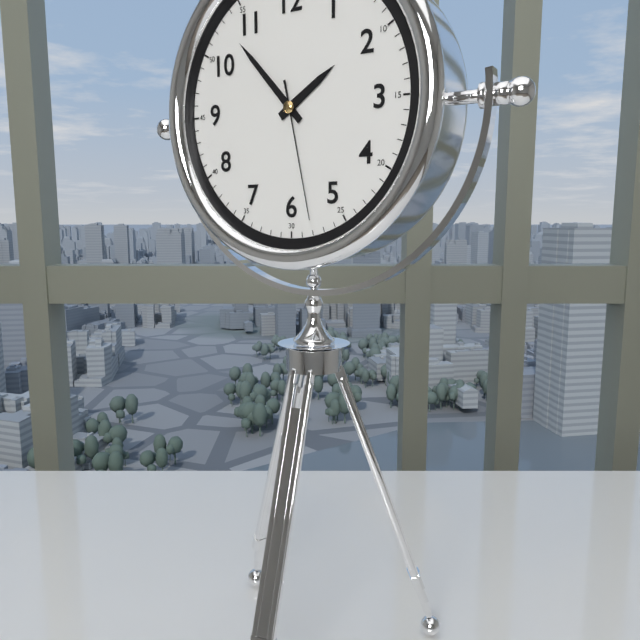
1.53.28
